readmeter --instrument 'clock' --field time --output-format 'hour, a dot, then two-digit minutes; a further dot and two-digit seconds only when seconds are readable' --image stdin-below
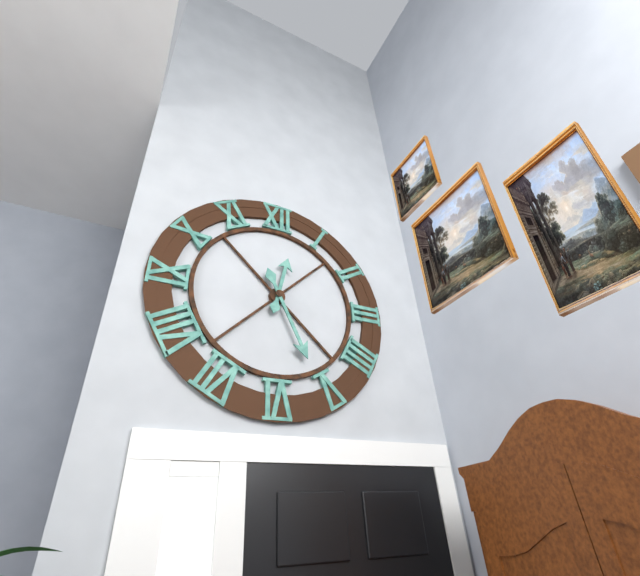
12.26
